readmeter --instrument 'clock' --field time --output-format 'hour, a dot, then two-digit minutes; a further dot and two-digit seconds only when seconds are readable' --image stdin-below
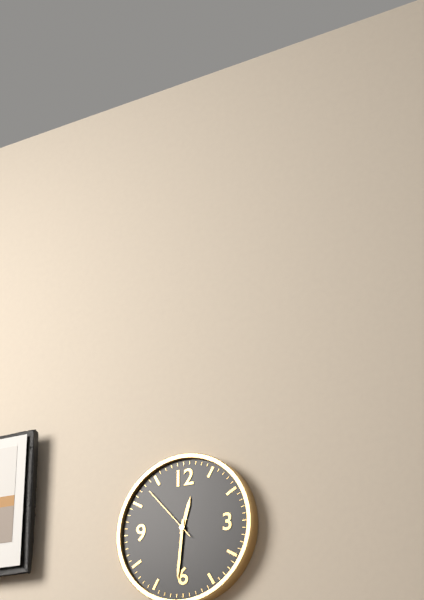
12.31.53
